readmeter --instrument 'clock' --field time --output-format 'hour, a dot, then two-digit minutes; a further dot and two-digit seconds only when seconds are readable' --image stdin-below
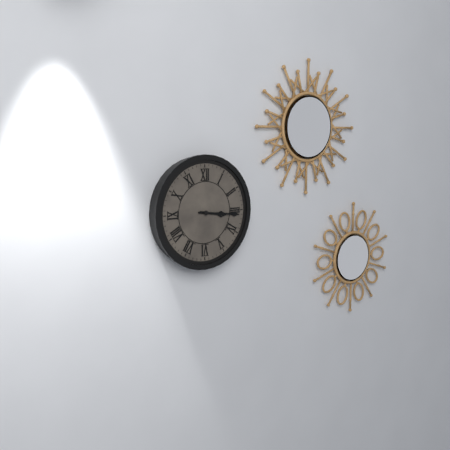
3.16
